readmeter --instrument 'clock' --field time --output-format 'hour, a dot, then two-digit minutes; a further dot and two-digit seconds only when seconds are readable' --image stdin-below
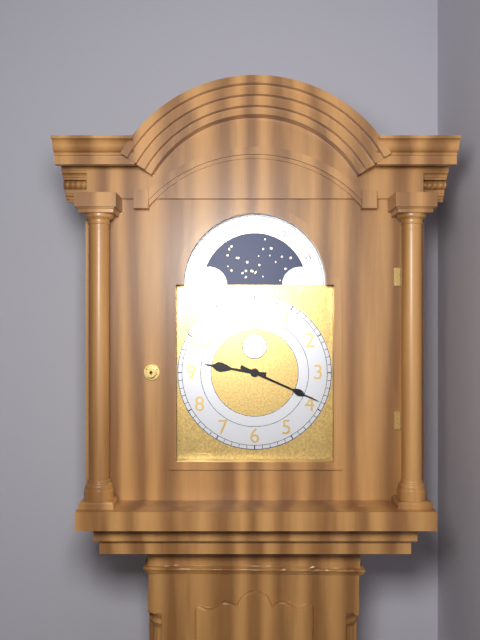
9.19
